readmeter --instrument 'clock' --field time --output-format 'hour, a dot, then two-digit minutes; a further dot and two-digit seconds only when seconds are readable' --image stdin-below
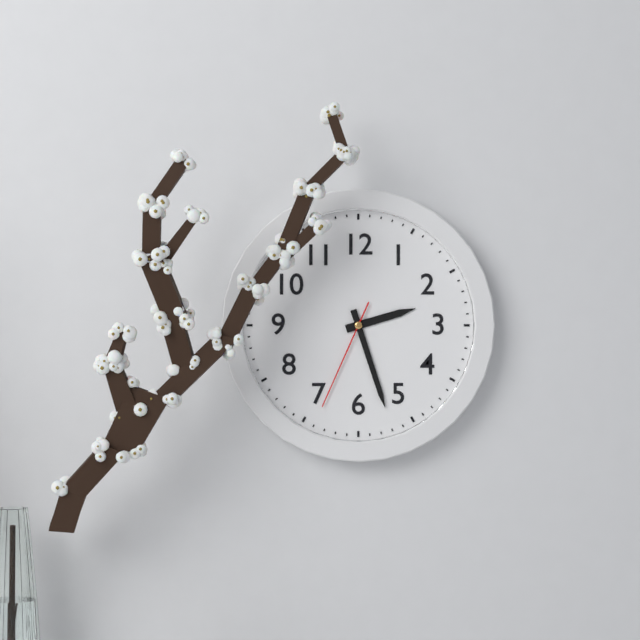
2.27.34
